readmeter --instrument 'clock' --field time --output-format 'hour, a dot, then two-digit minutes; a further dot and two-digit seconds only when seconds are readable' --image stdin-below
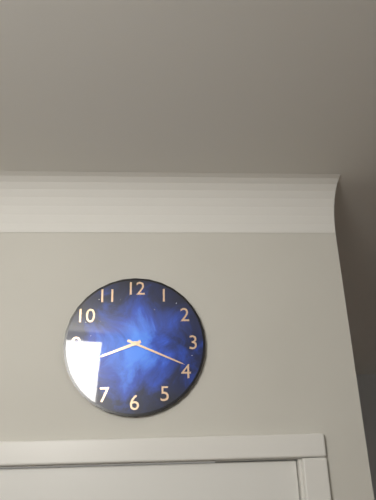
8.19
